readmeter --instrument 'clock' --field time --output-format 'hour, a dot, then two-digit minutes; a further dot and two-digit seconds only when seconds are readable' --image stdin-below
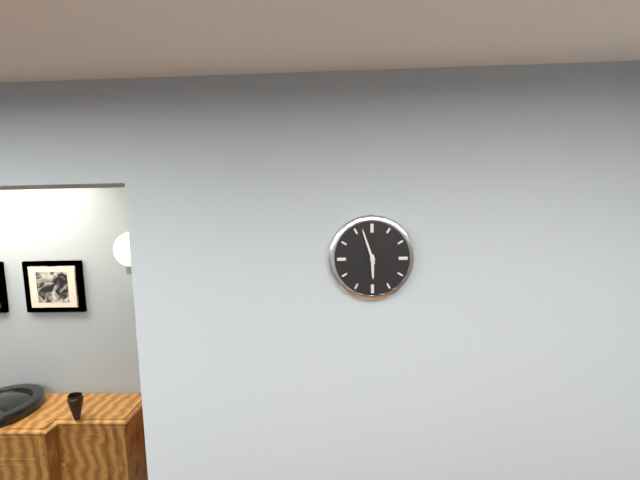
5.57
